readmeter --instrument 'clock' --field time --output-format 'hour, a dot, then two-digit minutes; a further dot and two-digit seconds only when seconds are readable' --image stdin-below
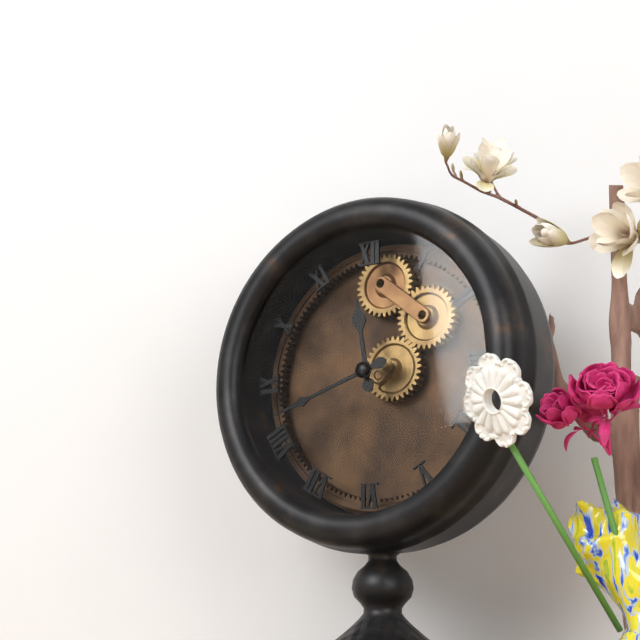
11.42
